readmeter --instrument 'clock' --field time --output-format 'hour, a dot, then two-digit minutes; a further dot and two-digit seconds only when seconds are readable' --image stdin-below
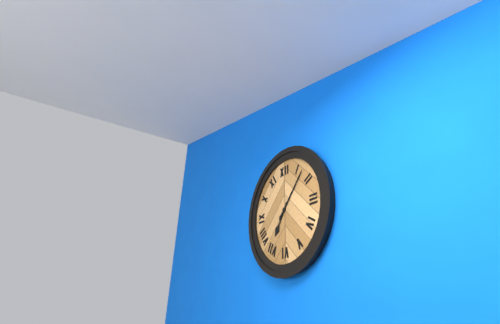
7.07
